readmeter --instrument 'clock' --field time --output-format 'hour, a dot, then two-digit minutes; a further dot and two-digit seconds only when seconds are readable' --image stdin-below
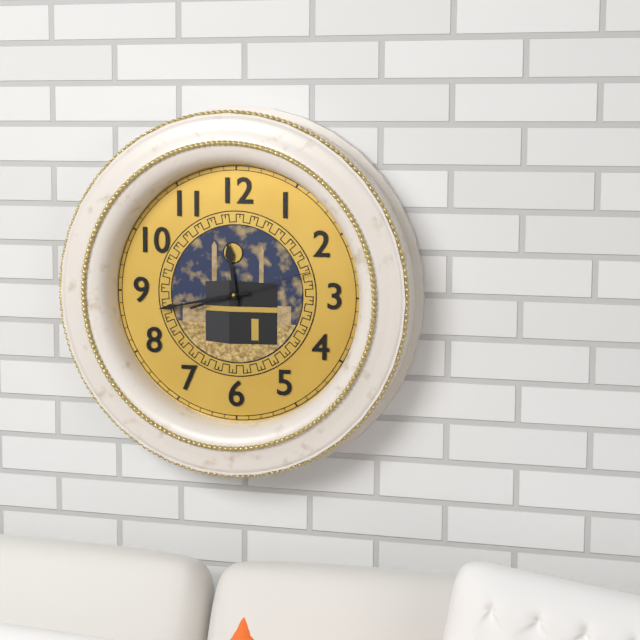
11.43.12
